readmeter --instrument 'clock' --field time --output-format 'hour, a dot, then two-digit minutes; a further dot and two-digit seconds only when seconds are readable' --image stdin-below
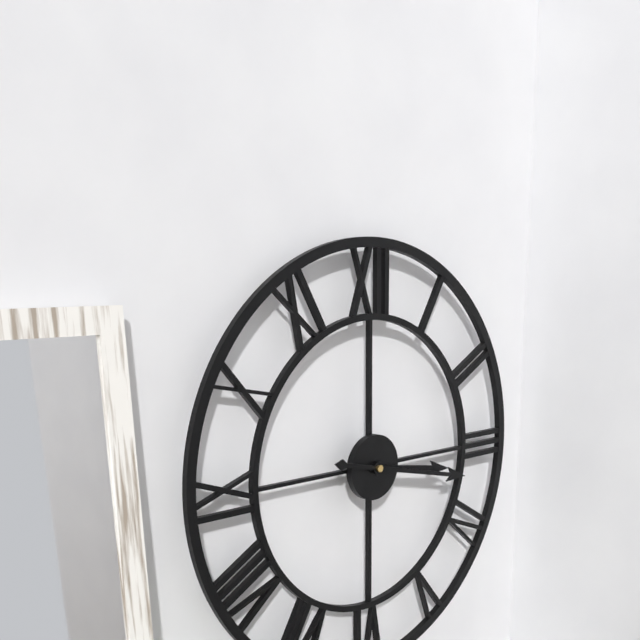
3.17
